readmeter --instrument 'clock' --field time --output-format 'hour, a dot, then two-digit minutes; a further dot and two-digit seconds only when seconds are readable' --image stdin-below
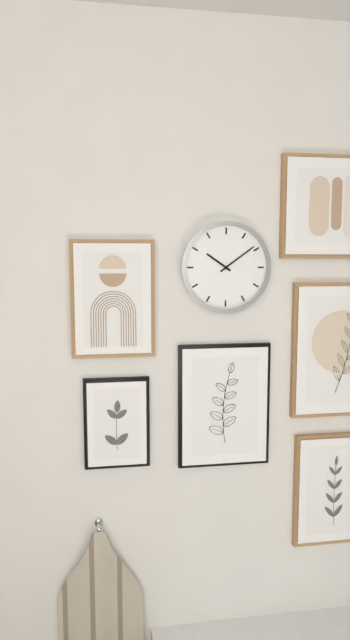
10.09
